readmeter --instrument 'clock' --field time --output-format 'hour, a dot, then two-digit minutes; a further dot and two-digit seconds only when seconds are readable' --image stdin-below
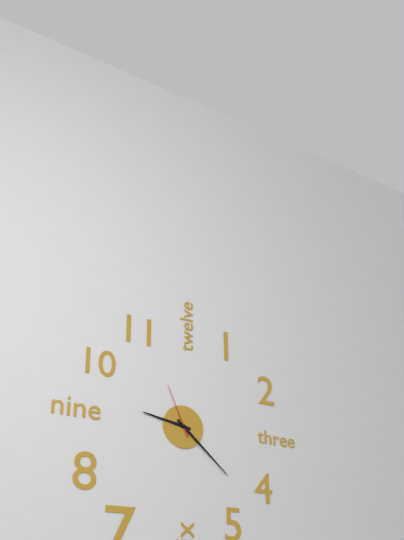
9.22.56
